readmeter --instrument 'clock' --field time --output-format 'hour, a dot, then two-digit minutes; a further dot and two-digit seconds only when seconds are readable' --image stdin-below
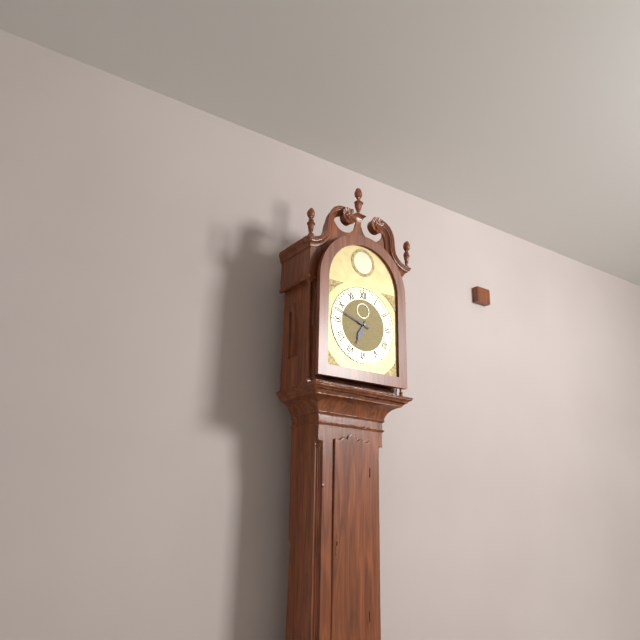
6.48
